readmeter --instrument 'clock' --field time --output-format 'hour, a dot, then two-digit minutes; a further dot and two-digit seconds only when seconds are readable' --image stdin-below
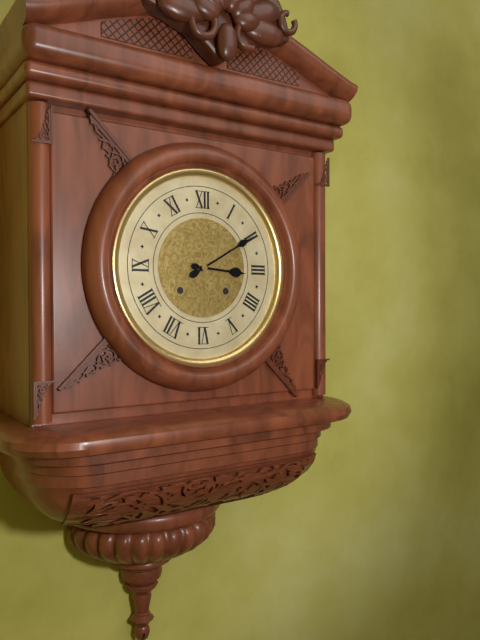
3.10
